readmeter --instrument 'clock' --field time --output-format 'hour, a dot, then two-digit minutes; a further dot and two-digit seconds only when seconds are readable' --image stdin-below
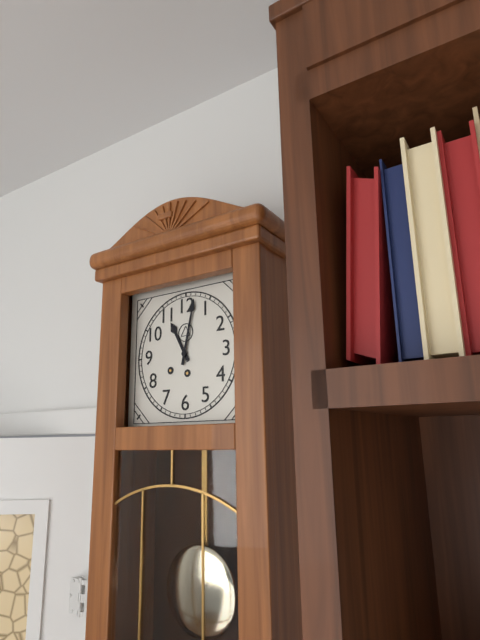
11.02
